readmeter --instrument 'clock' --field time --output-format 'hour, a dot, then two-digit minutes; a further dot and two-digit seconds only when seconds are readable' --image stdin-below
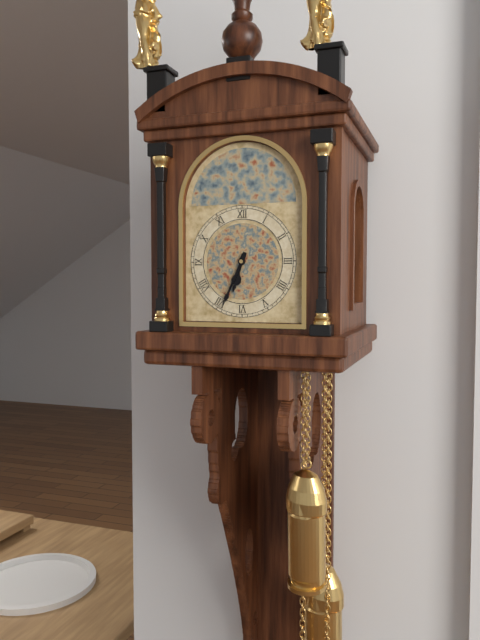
6.34
